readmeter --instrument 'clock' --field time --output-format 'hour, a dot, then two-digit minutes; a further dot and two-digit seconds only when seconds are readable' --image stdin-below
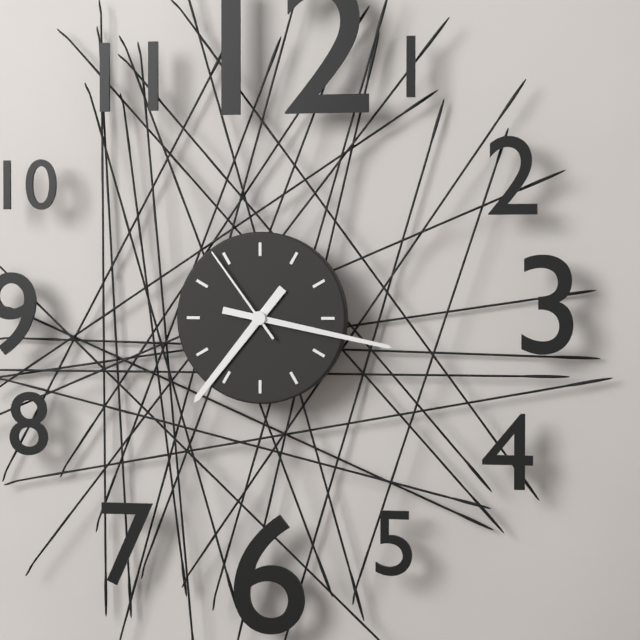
7.17.54
